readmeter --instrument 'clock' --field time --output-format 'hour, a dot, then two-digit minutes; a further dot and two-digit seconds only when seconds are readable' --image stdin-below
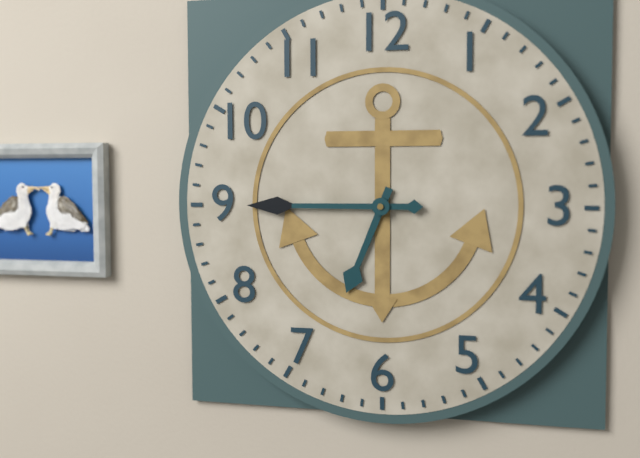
6.45
